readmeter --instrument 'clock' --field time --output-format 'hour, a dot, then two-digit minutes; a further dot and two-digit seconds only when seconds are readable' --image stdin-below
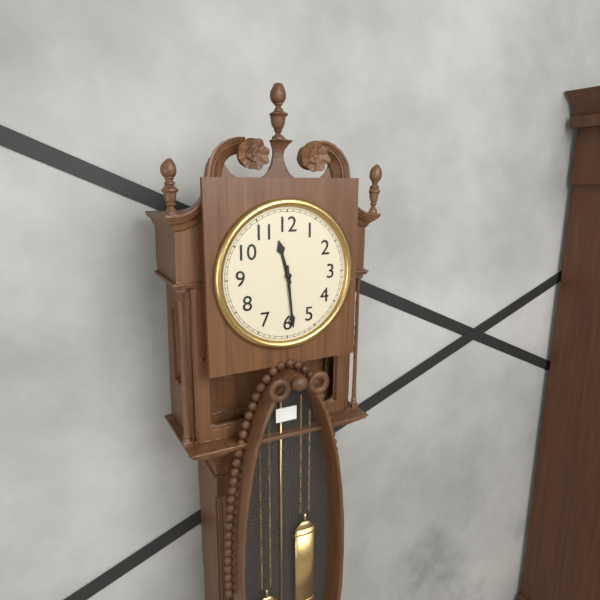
11.29
